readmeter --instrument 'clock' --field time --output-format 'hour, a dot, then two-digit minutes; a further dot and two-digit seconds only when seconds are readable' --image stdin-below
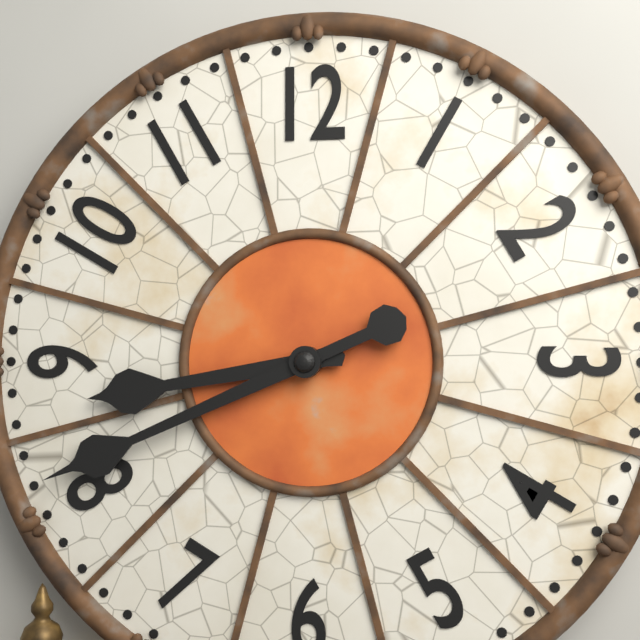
8.41
